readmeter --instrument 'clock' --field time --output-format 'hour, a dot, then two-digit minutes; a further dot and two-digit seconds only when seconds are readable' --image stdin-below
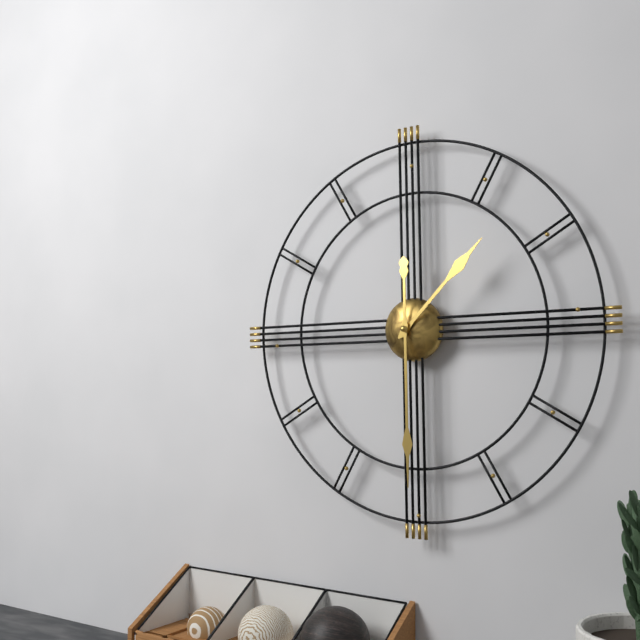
1.30
